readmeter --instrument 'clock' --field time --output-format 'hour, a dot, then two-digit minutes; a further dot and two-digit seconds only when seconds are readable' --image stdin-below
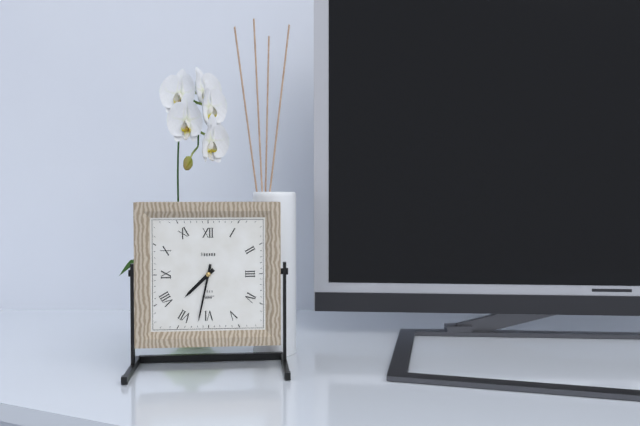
7.32
